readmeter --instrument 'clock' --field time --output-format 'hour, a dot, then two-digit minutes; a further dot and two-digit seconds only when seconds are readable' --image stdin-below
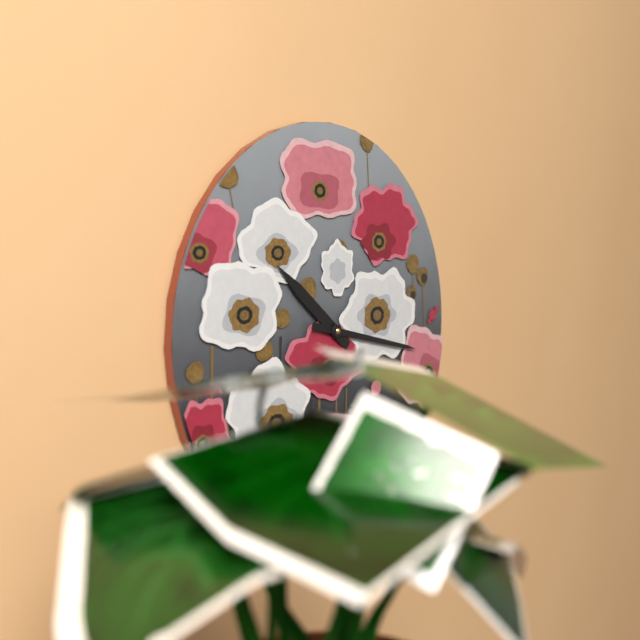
10.17
